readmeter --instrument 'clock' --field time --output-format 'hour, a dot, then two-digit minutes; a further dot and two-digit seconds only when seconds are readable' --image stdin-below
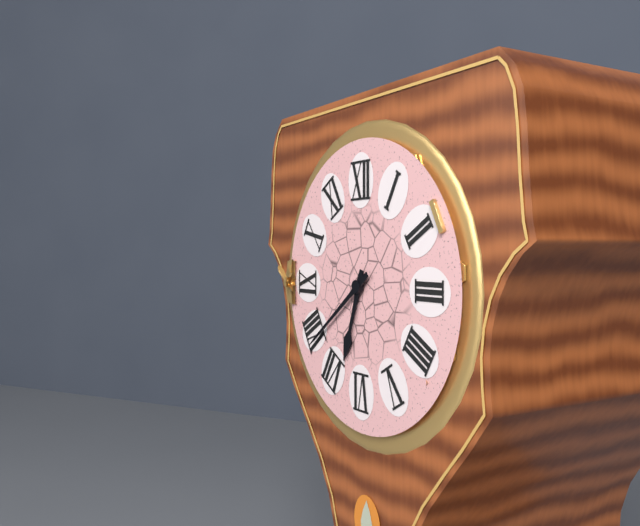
6.39
